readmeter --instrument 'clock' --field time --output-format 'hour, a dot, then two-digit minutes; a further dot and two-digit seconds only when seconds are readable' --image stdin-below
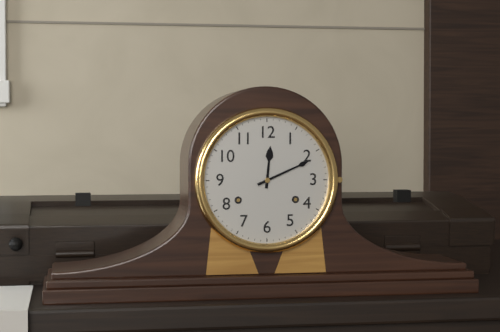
12.11
